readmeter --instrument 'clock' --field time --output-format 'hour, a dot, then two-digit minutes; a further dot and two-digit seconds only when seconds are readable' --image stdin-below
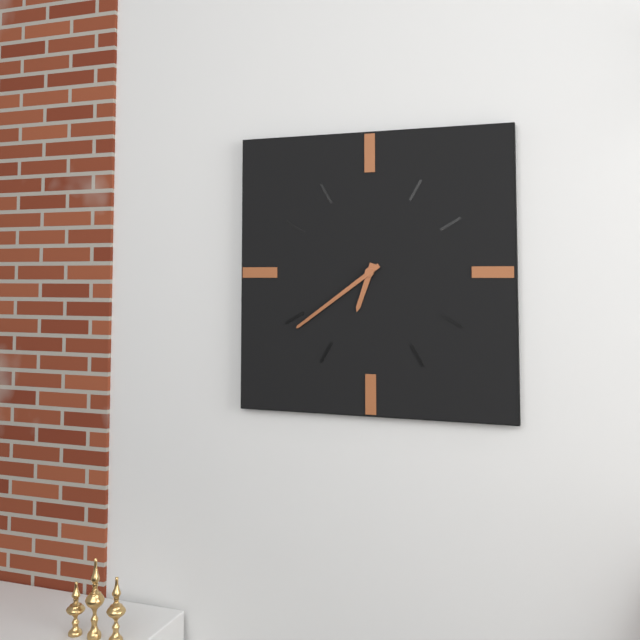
6.39
